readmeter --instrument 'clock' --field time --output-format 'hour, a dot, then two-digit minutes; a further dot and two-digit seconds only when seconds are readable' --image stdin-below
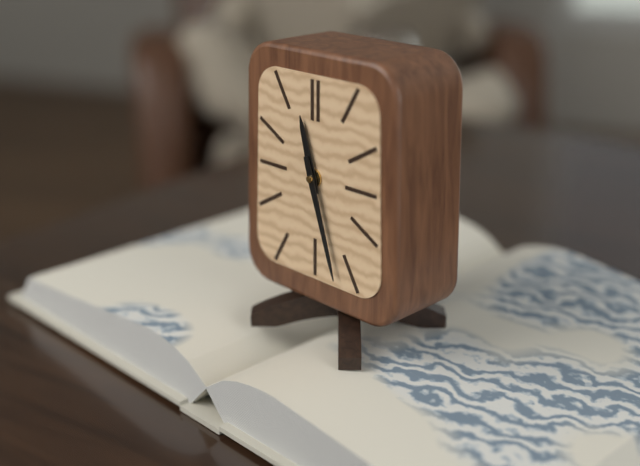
11.27
